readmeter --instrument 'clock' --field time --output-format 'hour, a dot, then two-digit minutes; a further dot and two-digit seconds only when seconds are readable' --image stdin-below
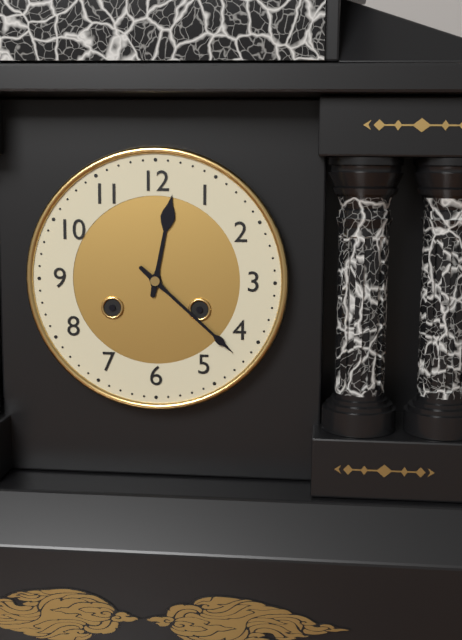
12.22
